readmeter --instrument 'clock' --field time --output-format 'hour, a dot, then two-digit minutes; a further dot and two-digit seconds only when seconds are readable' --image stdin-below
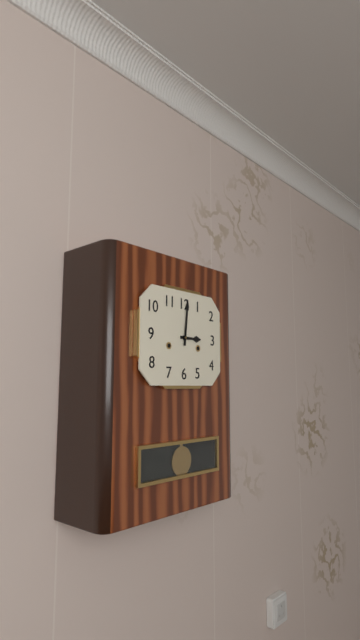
3.01
